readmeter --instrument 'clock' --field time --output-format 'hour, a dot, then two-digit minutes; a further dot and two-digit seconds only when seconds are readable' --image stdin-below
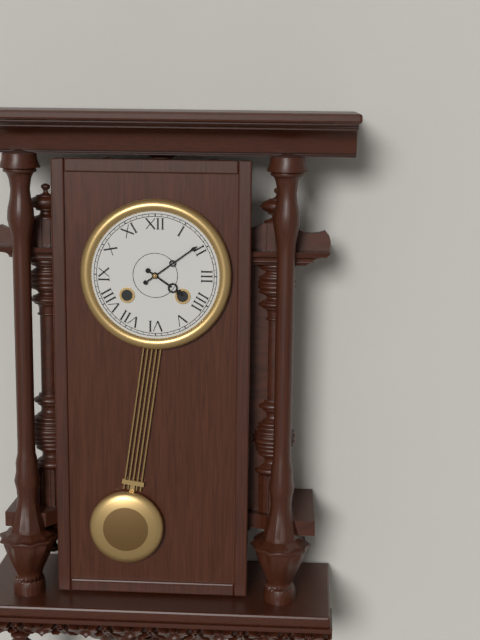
4.09
